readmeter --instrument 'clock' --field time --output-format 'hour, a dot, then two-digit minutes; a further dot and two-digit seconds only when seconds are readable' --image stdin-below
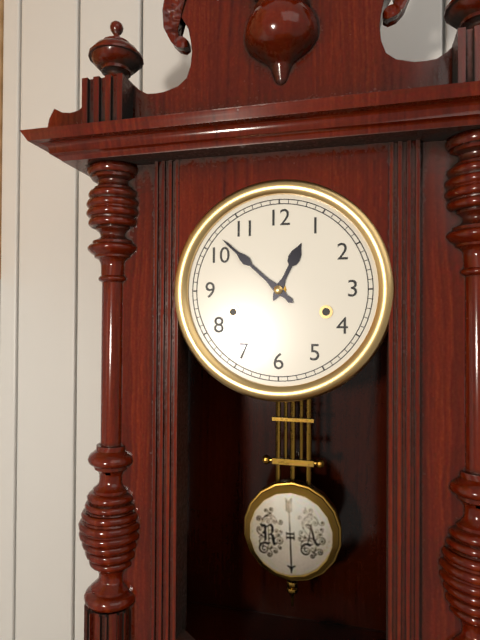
12.52
